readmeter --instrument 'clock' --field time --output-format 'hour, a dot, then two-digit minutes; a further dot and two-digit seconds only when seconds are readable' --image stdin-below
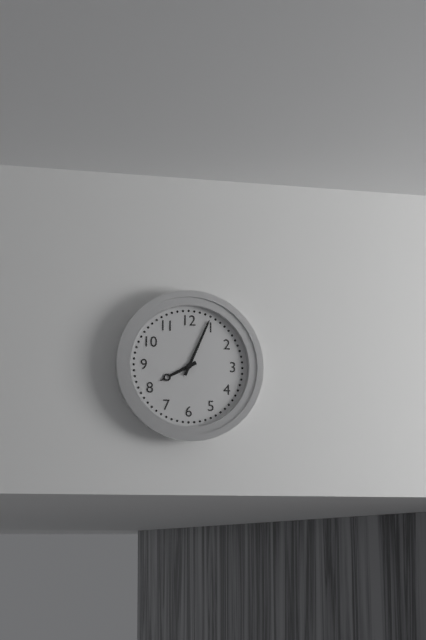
8.04
